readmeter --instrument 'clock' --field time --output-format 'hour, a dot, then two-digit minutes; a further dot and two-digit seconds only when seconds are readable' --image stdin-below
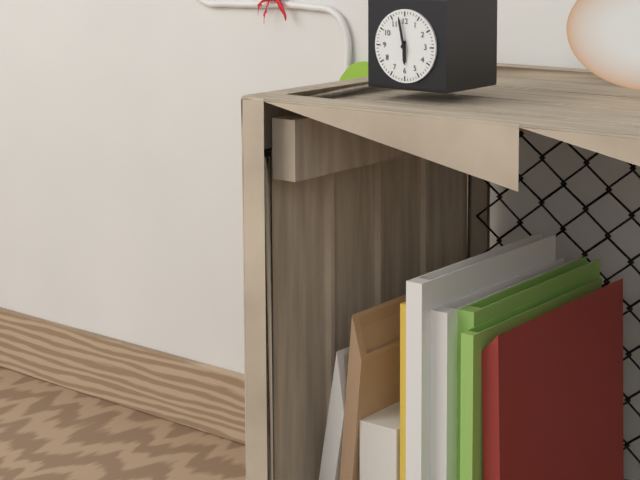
5.58
